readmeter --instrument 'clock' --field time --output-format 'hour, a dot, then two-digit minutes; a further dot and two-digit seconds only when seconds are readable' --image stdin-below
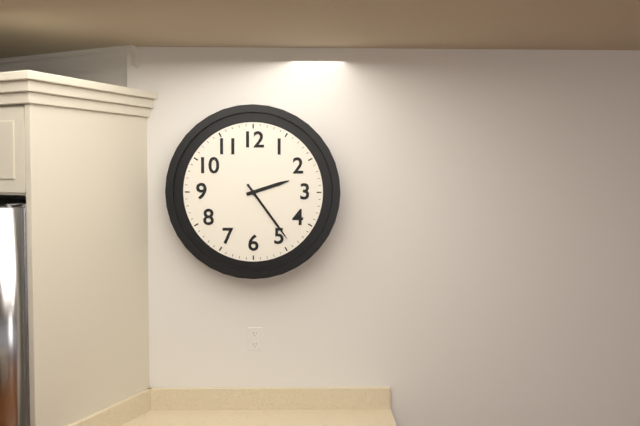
2.24
